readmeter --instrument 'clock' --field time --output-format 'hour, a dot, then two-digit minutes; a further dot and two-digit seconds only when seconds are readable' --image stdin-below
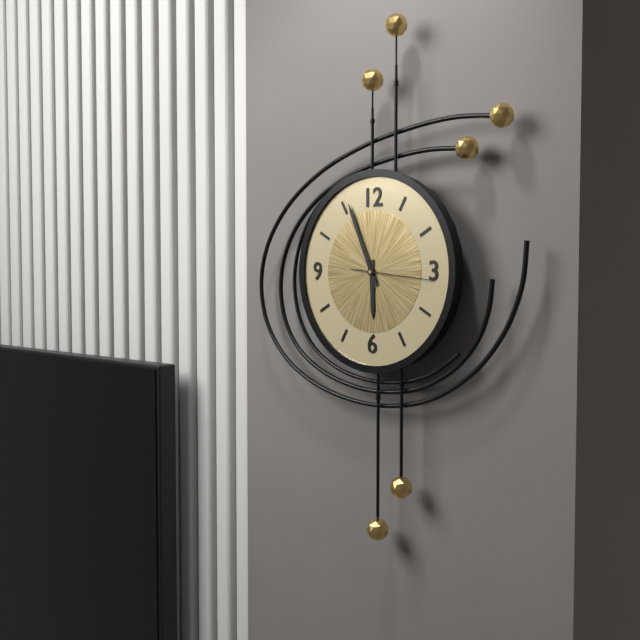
5.56.16
